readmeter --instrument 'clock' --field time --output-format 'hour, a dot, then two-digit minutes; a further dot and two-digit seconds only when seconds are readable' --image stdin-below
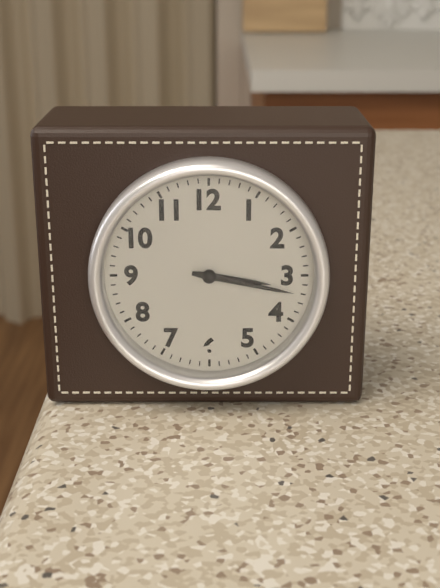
3.17
